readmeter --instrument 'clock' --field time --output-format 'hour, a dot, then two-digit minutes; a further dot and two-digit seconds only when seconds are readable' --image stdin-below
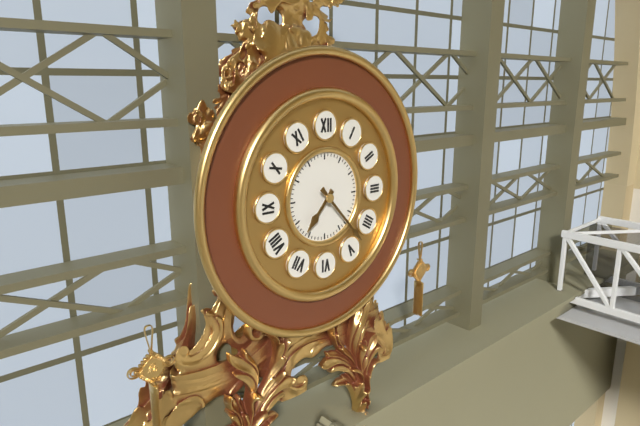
7.23
